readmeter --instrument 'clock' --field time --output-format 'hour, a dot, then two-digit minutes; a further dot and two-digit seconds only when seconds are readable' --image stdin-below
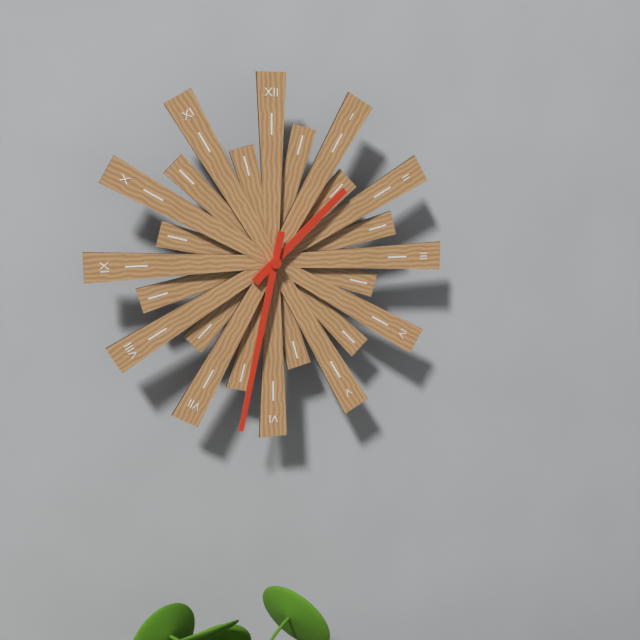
1.32
